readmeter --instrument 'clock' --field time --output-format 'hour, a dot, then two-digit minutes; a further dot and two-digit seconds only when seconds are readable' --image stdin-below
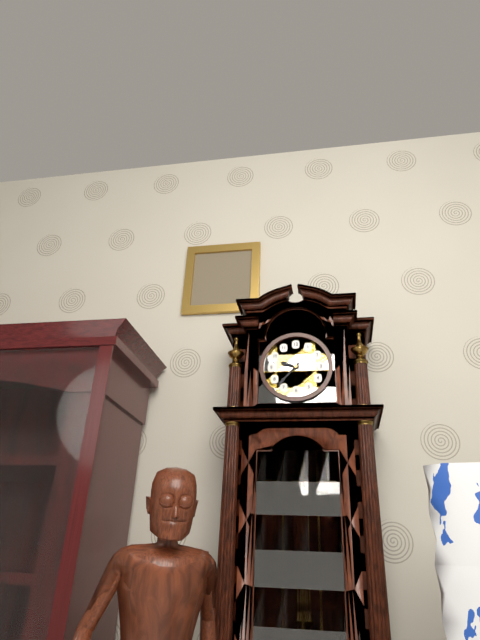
9.37
